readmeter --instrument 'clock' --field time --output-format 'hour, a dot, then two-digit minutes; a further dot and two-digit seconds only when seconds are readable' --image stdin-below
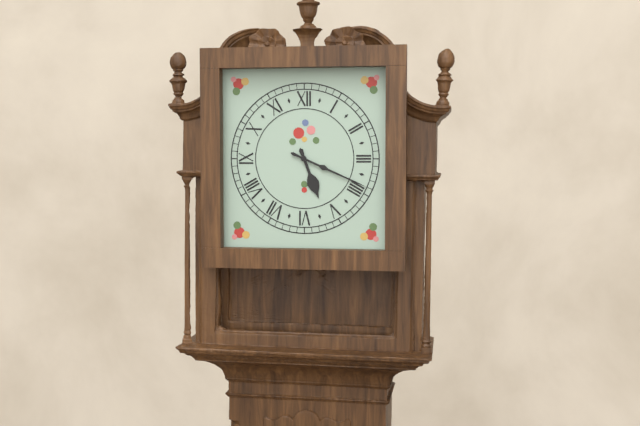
5.19
